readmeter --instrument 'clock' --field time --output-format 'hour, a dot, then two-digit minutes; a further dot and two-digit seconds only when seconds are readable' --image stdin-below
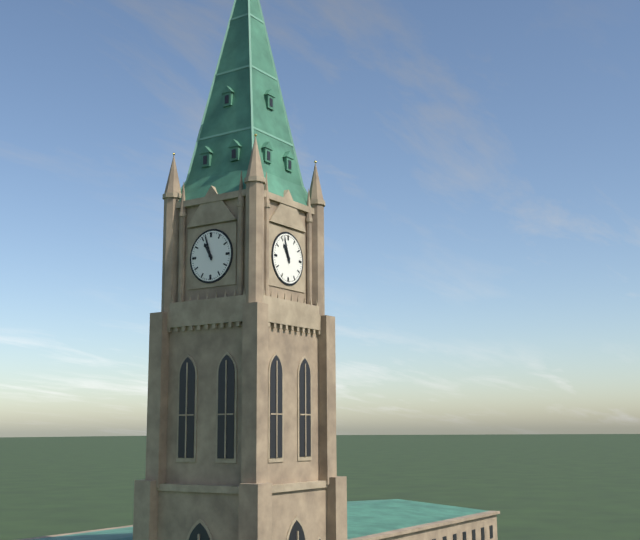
10.57
